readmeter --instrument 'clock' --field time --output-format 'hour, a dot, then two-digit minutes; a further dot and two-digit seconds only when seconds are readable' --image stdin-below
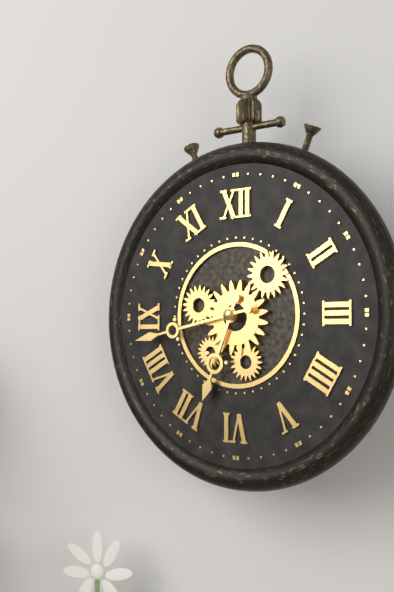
6.43
